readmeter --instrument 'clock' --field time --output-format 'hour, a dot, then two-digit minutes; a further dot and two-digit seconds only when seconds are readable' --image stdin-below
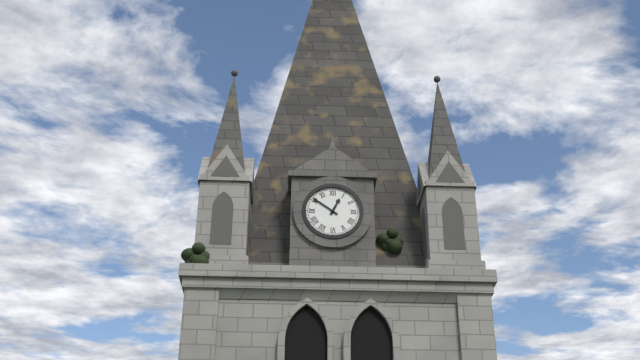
12.51
